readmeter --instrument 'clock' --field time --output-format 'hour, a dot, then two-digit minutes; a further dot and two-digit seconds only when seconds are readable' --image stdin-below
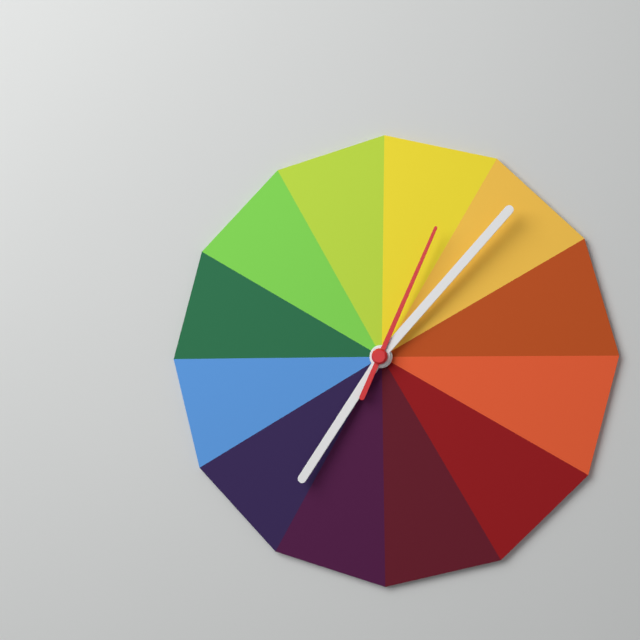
7.07.04
